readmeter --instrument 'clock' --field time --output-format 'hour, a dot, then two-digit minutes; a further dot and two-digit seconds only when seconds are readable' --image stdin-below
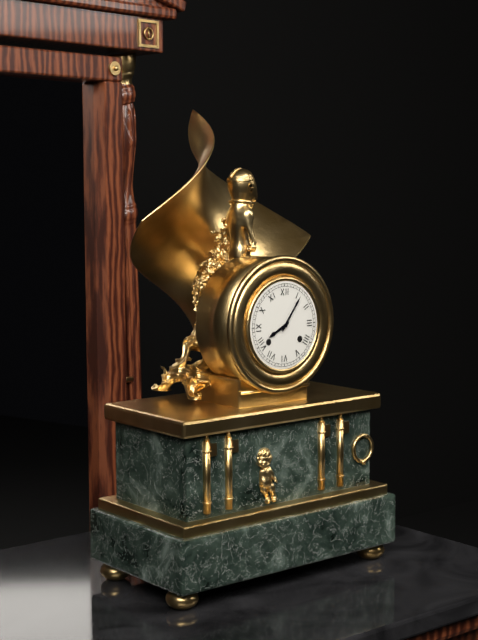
8.06
